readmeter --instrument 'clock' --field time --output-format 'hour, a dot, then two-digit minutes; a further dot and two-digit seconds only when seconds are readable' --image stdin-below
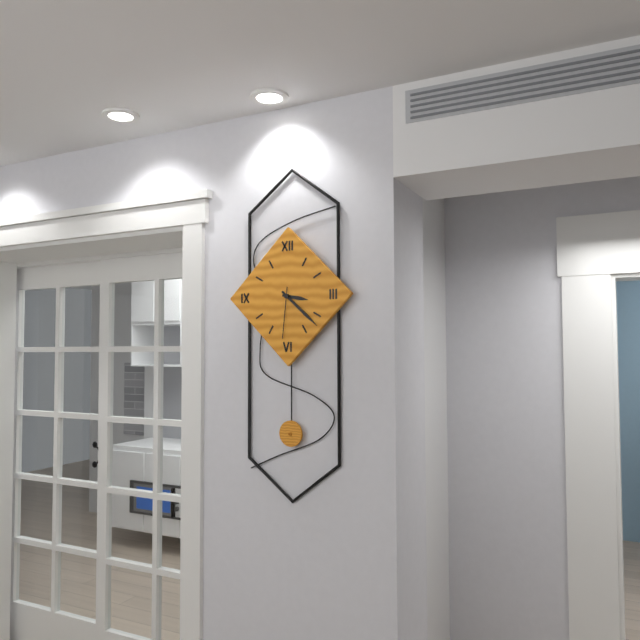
3.22.31
